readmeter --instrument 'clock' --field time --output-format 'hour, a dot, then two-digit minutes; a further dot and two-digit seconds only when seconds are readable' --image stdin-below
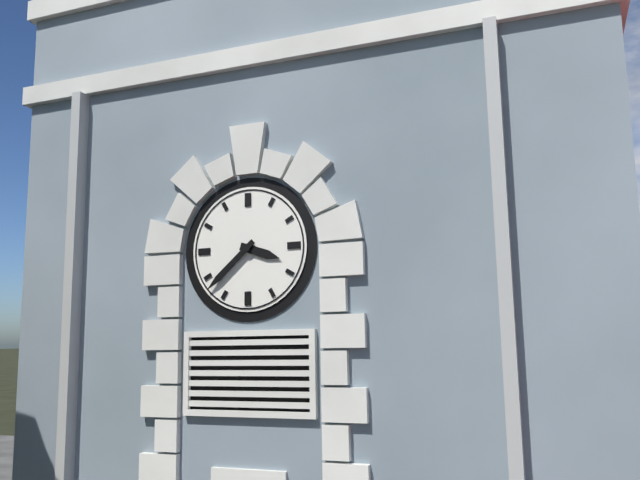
3.38
